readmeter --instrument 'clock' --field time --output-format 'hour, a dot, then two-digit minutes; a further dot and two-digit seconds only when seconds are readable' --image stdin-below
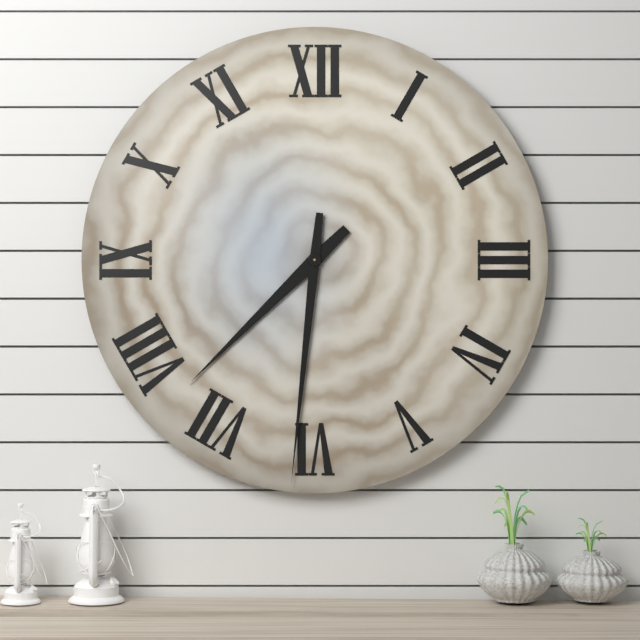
7.31
